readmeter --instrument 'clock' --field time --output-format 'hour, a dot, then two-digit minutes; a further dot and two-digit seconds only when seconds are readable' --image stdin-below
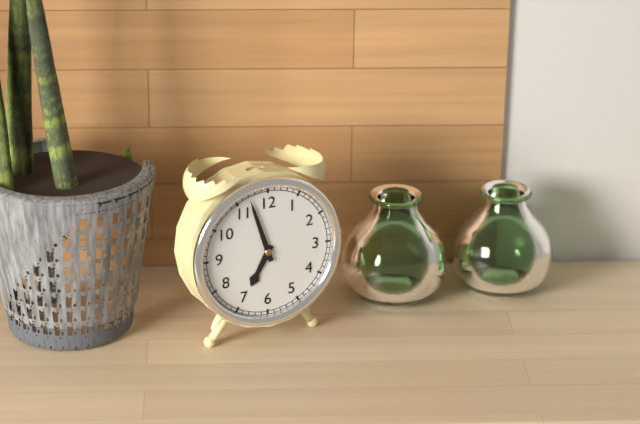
6.57
